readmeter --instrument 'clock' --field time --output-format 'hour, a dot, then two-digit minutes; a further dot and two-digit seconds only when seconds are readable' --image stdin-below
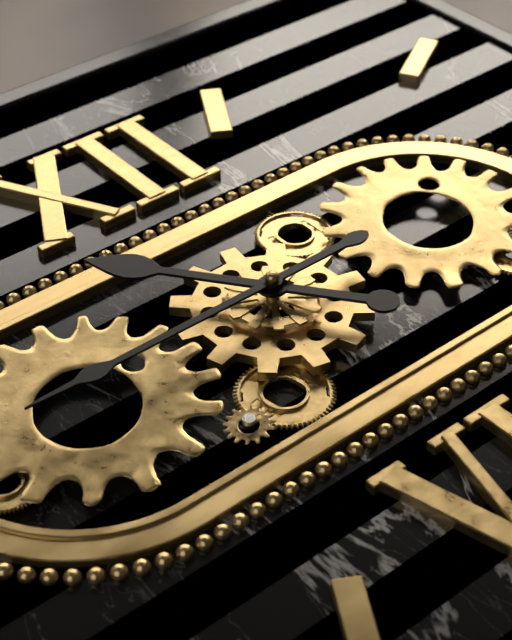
10.45
